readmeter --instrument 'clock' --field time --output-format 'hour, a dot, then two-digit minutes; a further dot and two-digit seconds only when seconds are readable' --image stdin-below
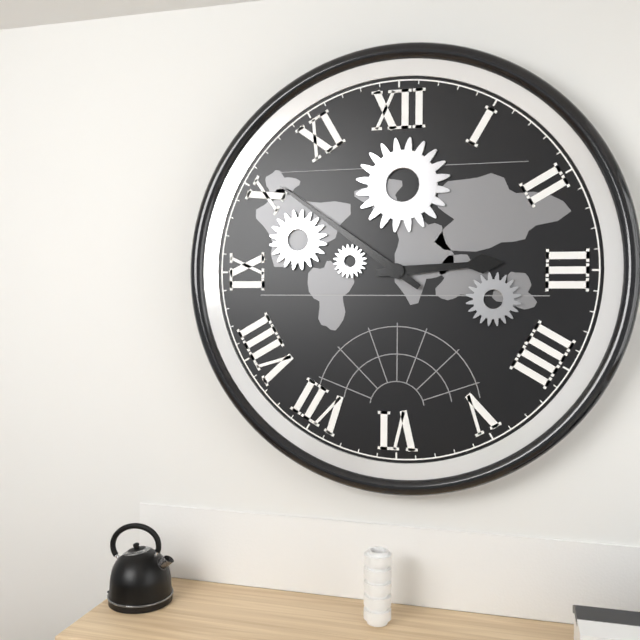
2.51
